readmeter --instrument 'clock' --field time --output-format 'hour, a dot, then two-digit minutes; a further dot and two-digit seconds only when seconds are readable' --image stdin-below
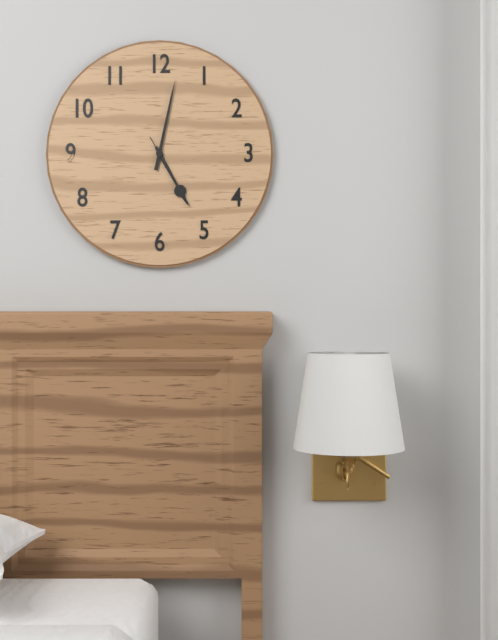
5.02.25
